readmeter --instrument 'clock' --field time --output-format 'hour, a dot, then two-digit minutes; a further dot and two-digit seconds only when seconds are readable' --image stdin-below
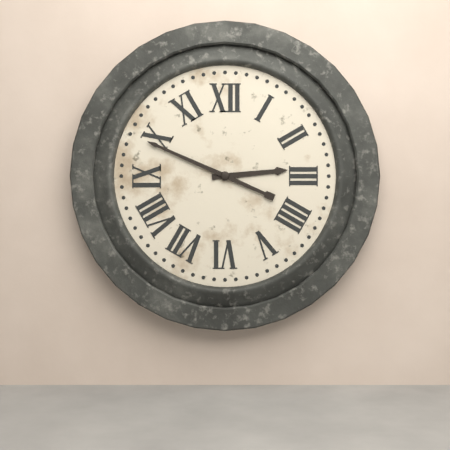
2.49
